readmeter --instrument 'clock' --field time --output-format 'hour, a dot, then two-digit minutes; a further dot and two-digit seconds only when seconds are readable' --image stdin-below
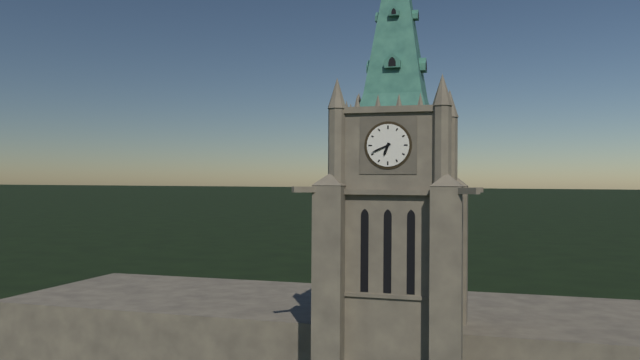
6.41
